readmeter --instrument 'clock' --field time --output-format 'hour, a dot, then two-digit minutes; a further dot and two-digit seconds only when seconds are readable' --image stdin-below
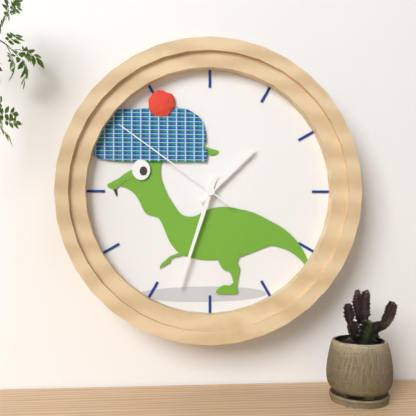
1.33.51
